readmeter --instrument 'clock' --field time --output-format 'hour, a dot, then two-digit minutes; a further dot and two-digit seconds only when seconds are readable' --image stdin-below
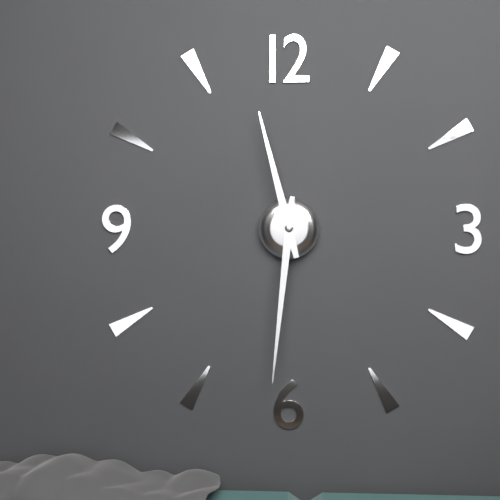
11.31
